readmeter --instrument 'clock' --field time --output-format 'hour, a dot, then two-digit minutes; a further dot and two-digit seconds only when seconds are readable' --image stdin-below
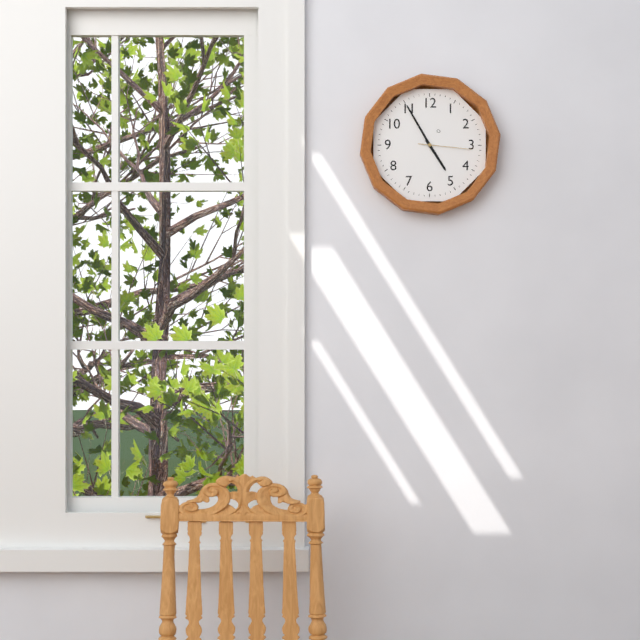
4.55.16
